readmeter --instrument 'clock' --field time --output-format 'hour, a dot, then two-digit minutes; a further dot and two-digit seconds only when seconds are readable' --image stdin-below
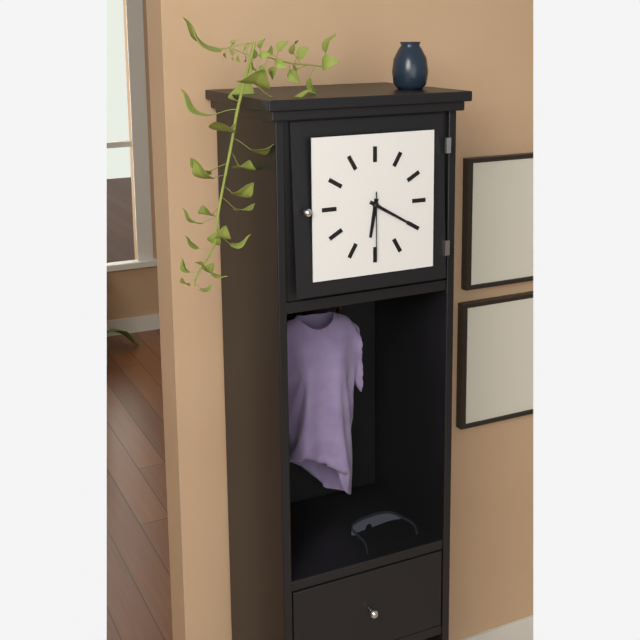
6.20.30
